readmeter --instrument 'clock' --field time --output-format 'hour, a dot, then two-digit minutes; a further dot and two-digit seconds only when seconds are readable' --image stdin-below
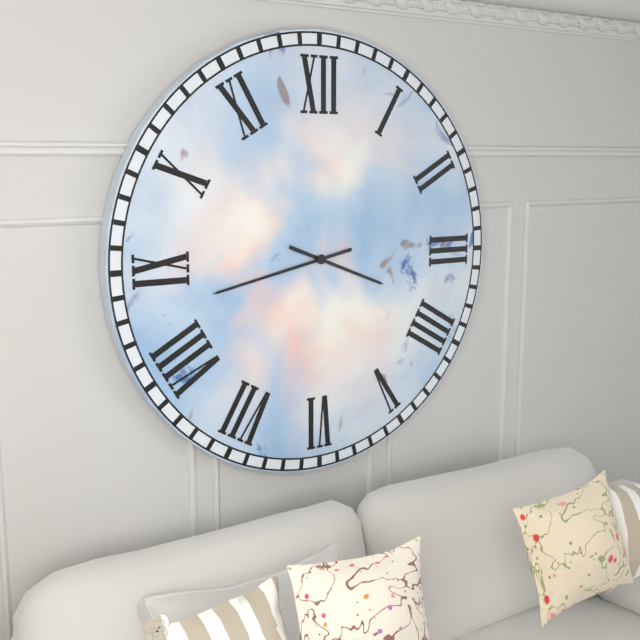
3.43
